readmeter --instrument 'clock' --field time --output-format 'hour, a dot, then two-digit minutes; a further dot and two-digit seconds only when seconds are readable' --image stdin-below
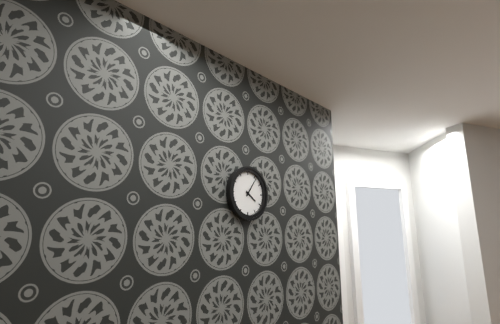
4.06
